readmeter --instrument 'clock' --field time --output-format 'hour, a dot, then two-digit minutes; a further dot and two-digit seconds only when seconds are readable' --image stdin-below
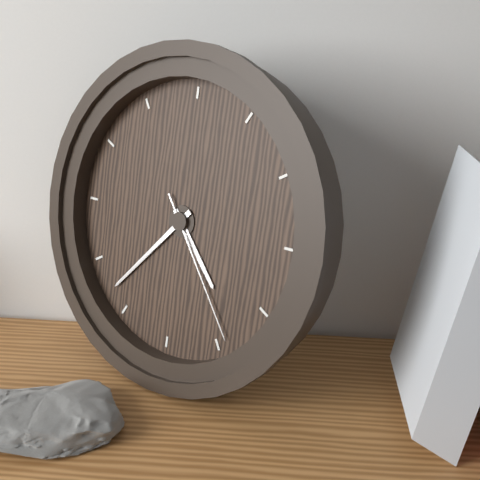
4.37.24
